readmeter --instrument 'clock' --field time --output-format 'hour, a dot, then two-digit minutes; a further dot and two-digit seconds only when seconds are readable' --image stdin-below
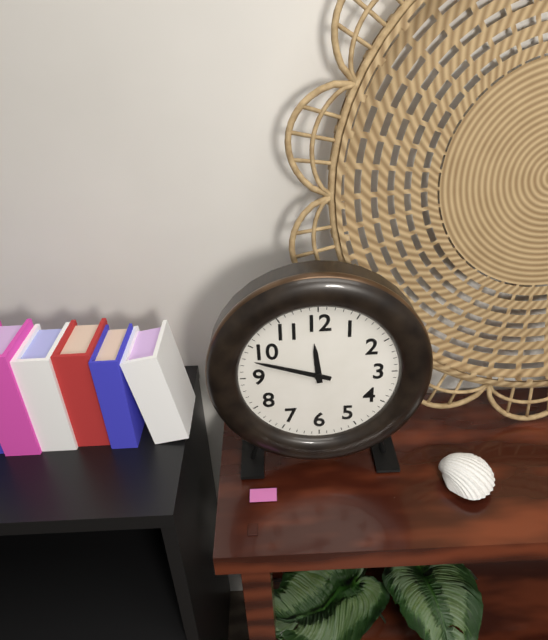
11.48
